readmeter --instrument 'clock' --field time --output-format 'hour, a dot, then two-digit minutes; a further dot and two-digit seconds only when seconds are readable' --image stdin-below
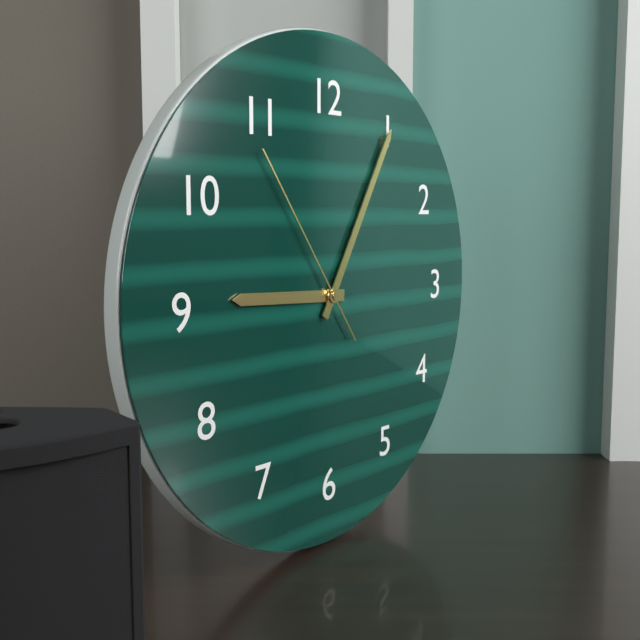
9.05.54
